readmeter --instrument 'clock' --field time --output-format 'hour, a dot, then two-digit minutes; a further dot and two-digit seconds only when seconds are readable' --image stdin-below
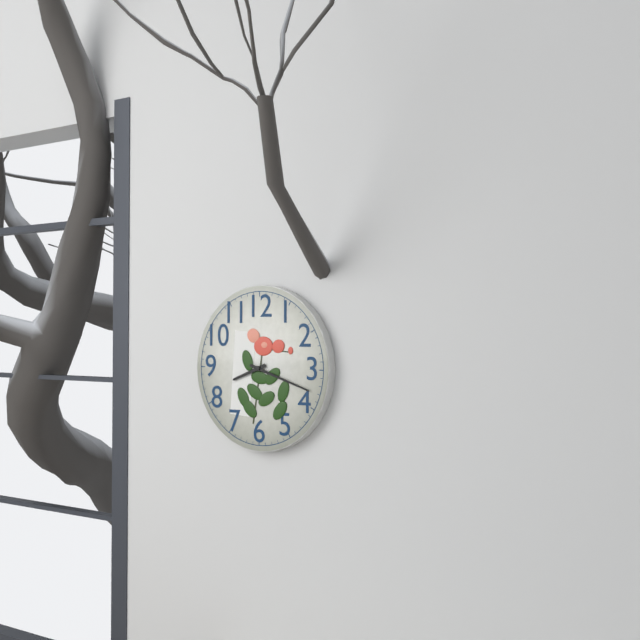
8.18
